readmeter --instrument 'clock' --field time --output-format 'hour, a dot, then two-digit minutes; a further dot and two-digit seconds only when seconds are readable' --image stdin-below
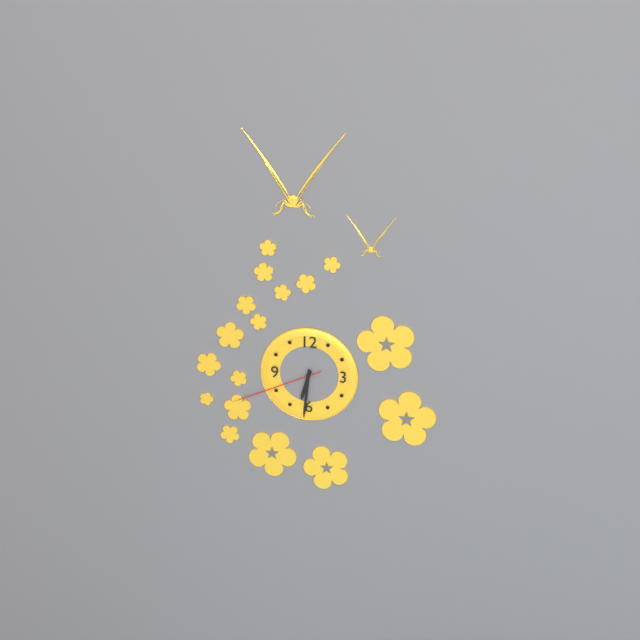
6.31.41
